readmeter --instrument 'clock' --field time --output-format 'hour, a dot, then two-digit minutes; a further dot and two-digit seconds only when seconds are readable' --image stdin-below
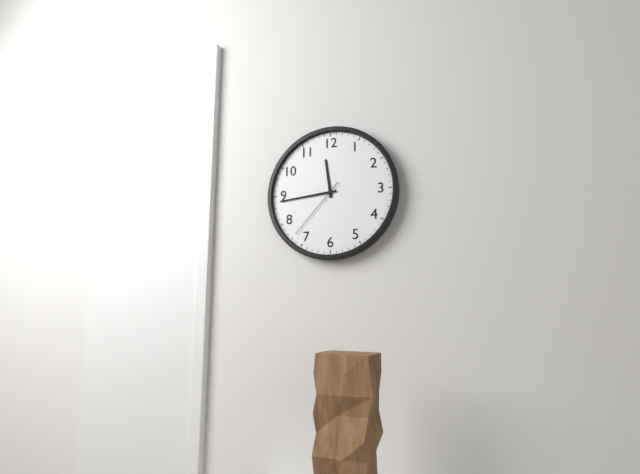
11.44.37
